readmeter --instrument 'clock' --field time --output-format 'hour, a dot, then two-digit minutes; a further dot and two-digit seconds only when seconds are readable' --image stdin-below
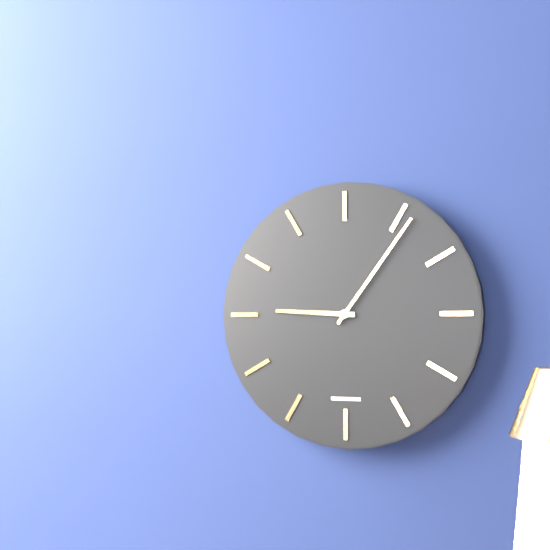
9.06
